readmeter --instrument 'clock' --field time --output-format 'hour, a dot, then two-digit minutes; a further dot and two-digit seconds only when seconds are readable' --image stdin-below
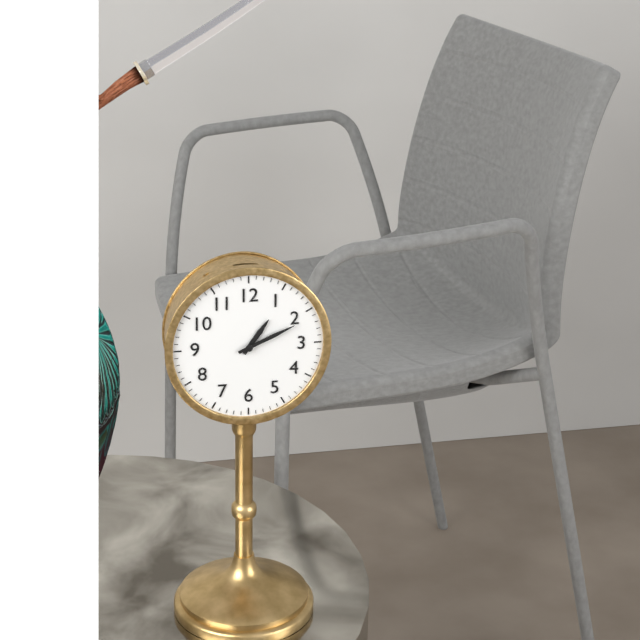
1.11
